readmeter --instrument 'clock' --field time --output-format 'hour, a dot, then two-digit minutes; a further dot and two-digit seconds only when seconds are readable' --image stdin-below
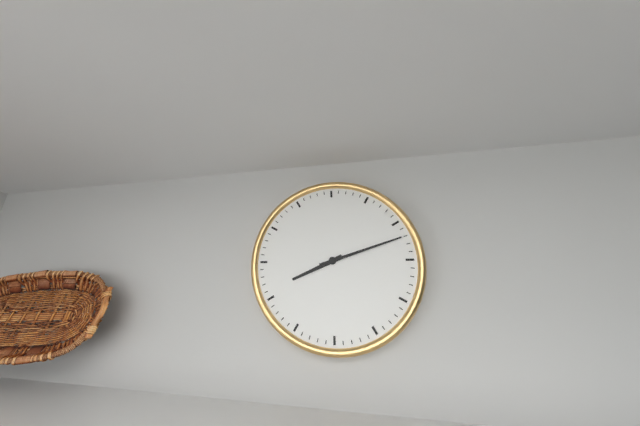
8.12
